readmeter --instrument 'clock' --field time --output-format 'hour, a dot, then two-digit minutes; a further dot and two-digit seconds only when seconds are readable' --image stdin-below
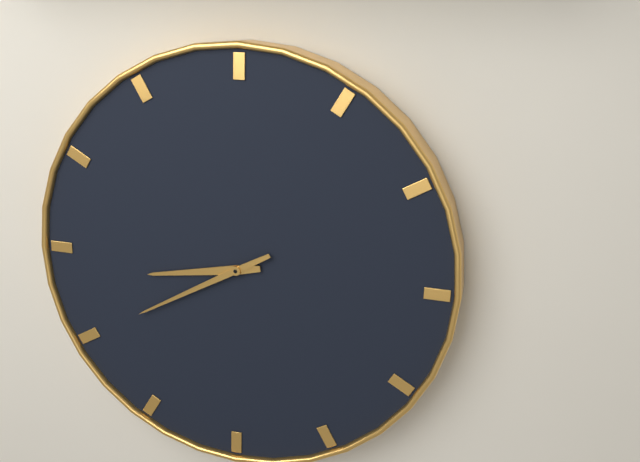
8.40
